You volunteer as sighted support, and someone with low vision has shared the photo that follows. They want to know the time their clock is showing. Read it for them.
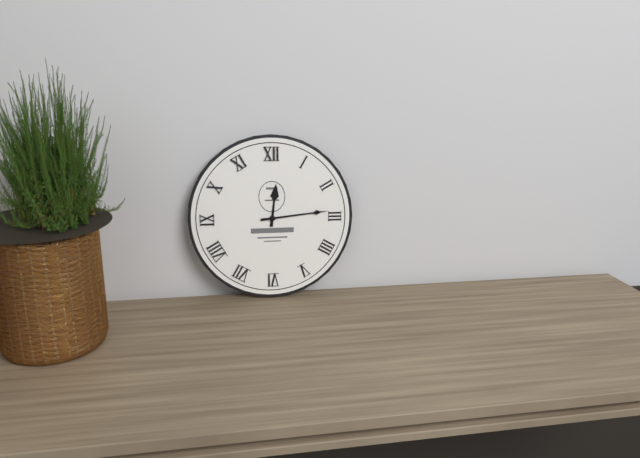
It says 12:14
